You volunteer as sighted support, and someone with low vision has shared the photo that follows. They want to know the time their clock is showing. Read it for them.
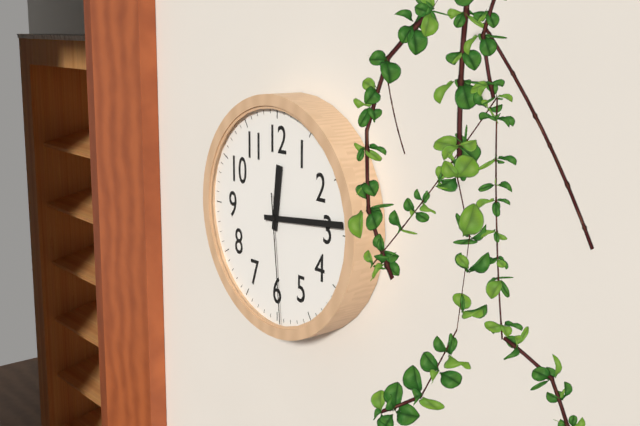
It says 12:14:29
